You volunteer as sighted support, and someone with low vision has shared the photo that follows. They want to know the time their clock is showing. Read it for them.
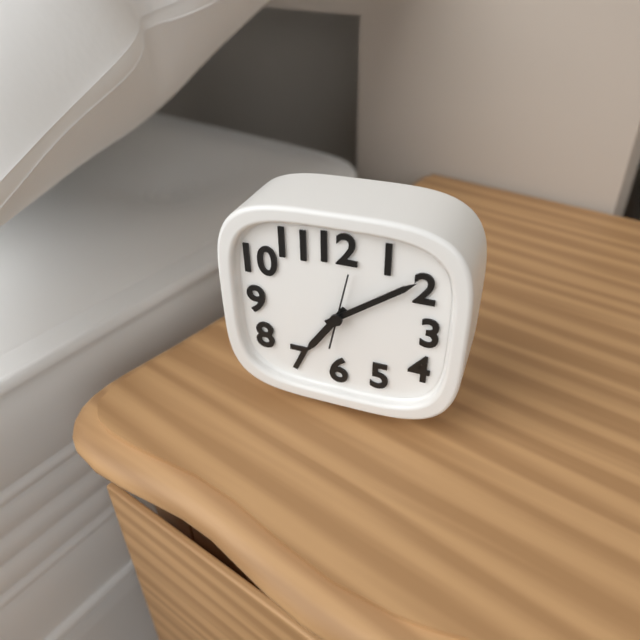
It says 7:09:02
